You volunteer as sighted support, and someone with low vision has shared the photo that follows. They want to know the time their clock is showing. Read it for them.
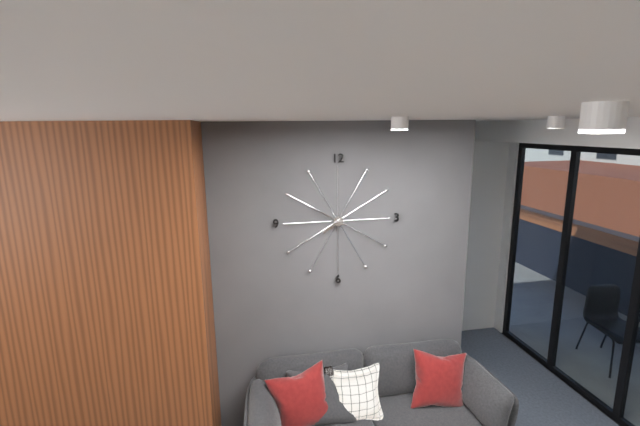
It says 7:50
